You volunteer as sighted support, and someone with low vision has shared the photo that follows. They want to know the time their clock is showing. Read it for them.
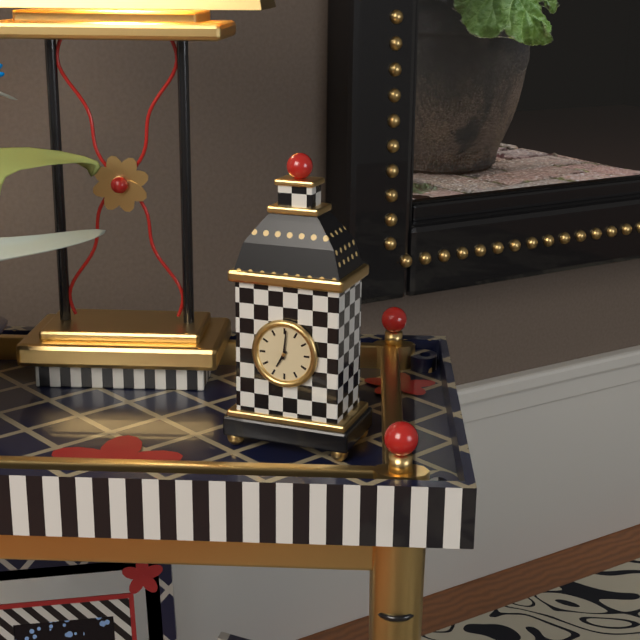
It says 7:01
